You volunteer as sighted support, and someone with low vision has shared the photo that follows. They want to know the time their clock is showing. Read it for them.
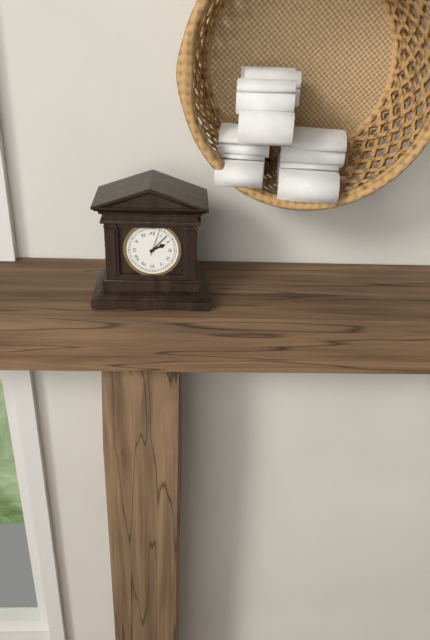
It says 2:07
